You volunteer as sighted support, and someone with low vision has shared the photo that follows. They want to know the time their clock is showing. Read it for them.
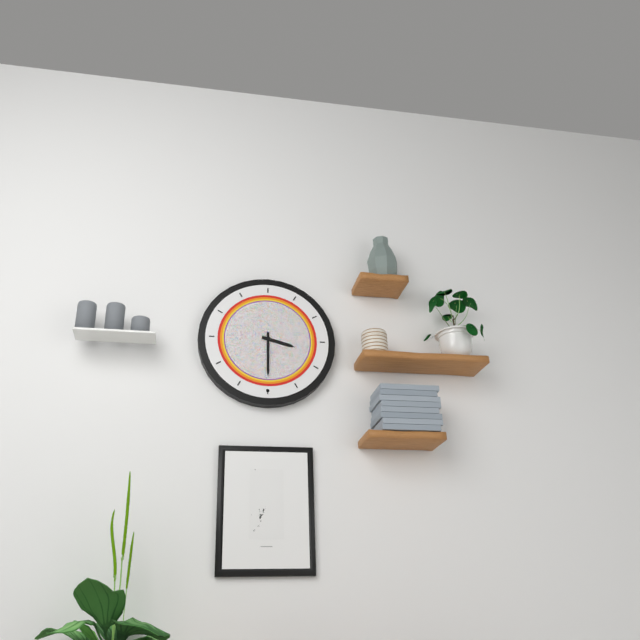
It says 3:30
